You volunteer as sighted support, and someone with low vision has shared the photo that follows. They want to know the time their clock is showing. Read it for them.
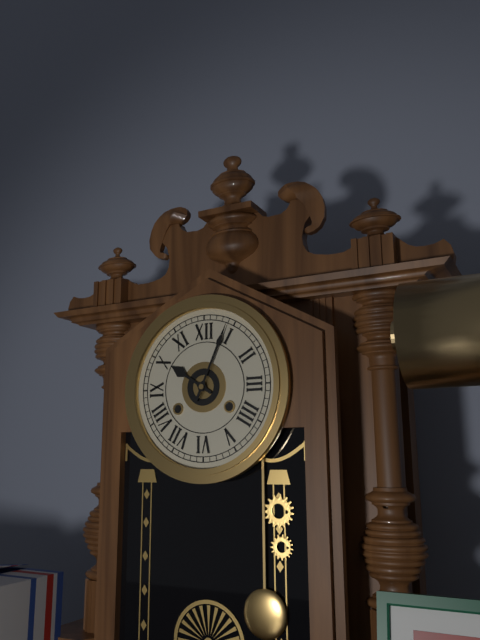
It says 10:04
